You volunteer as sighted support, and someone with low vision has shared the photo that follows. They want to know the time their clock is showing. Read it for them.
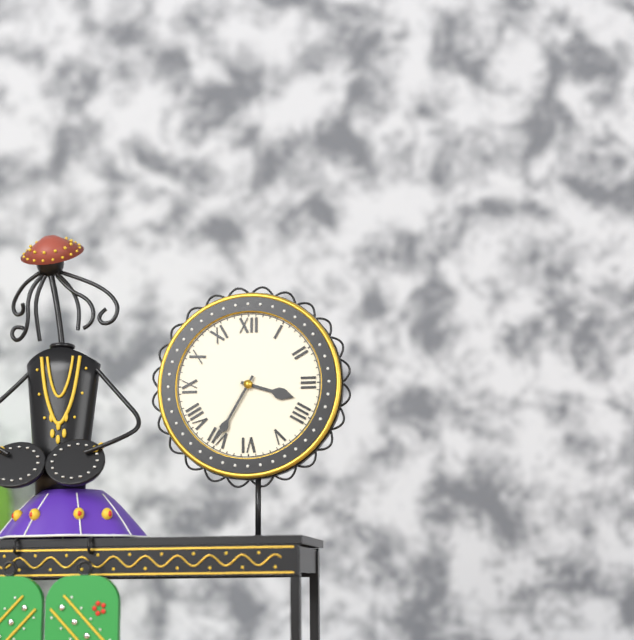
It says 3:35
